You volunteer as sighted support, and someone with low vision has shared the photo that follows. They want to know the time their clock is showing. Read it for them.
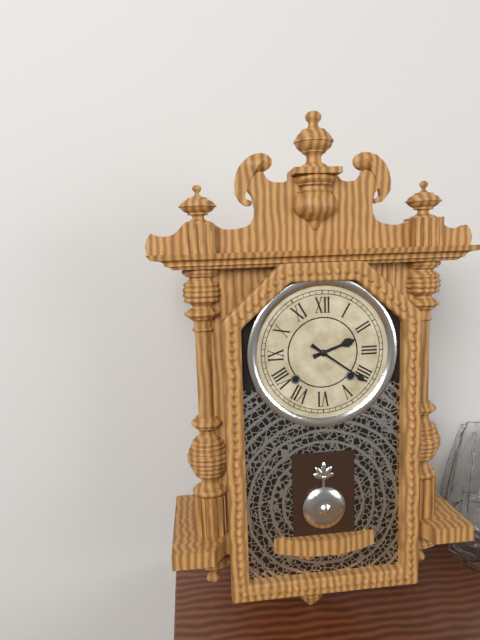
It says 2:21
